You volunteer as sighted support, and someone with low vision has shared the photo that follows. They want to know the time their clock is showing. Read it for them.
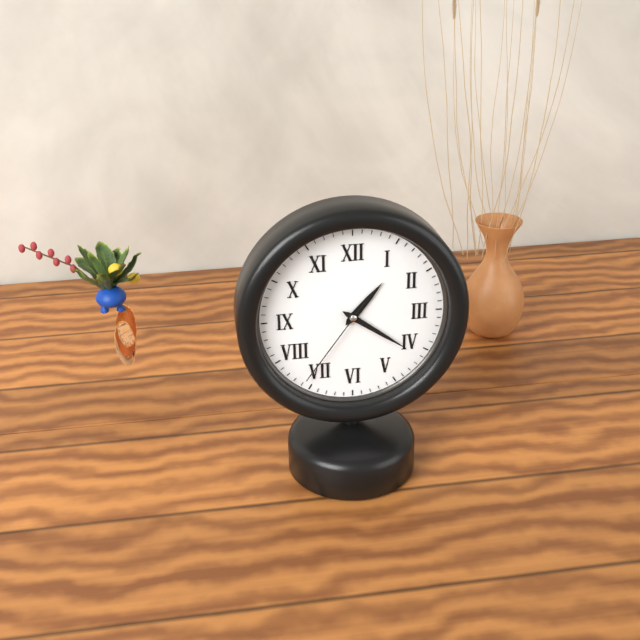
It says 1:21:36
